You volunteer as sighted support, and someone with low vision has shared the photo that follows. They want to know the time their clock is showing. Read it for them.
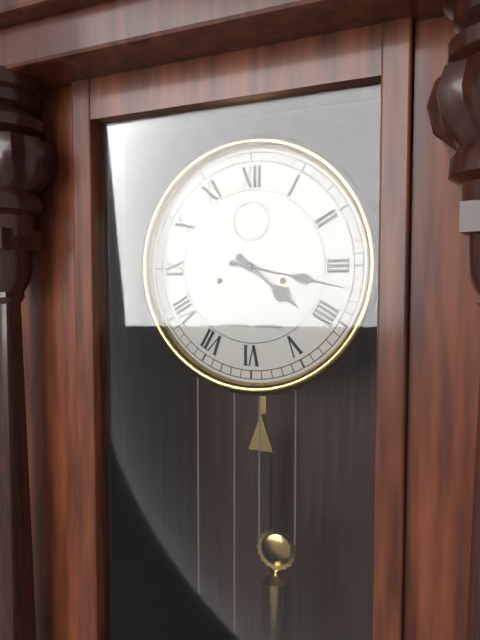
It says 4:17
